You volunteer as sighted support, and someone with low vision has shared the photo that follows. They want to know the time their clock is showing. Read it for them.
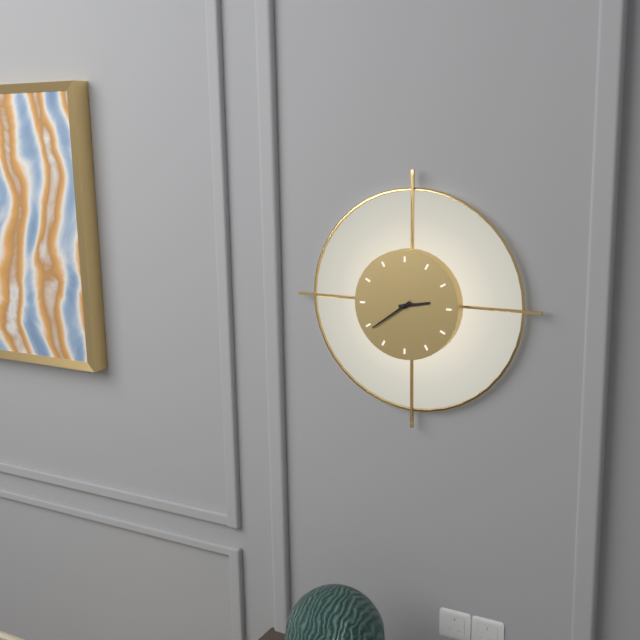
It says 2:39
